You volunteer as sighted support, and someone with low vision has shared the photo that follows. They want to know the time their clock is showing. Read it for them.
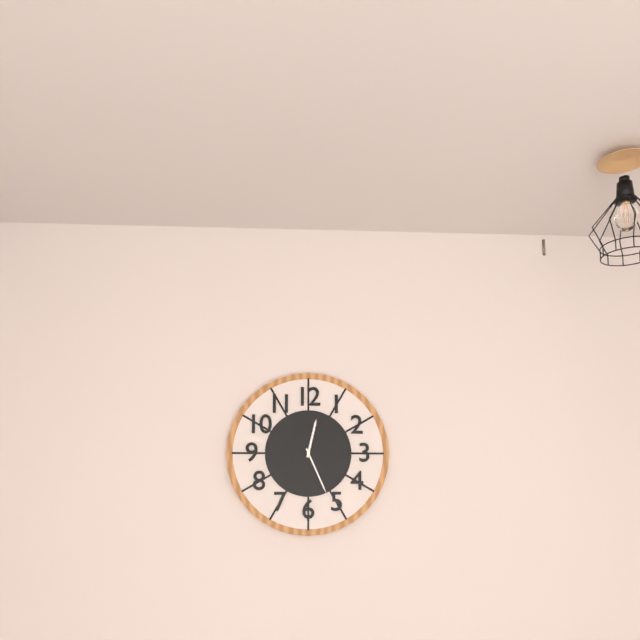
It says 12:26
